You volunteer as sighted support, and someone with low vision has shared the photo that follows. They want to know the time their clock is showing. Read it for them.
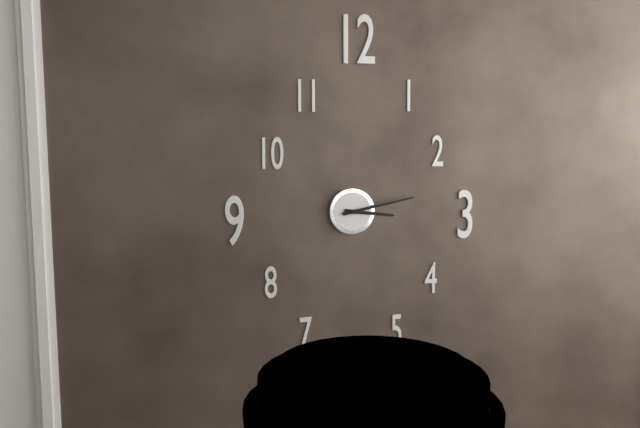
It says 3:13
